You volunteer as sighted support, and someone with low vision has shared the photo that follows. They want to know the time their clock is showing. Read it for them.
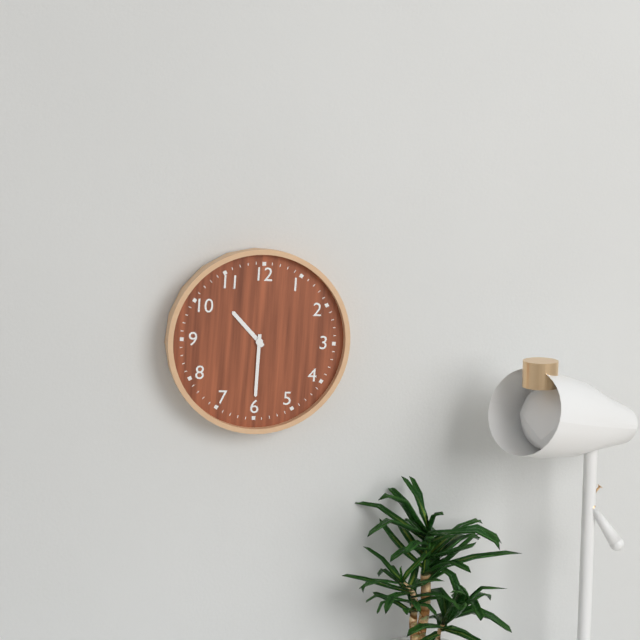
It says 10:30
